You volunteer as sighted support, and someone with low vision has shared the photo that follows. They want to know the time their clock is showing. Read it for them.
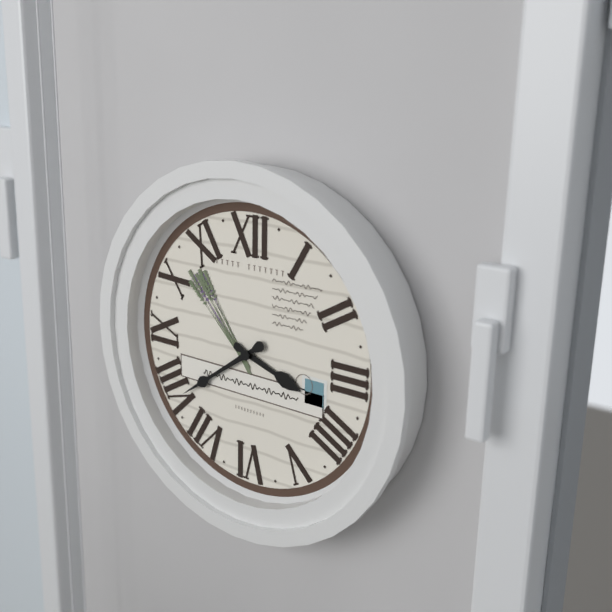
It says 3:39
